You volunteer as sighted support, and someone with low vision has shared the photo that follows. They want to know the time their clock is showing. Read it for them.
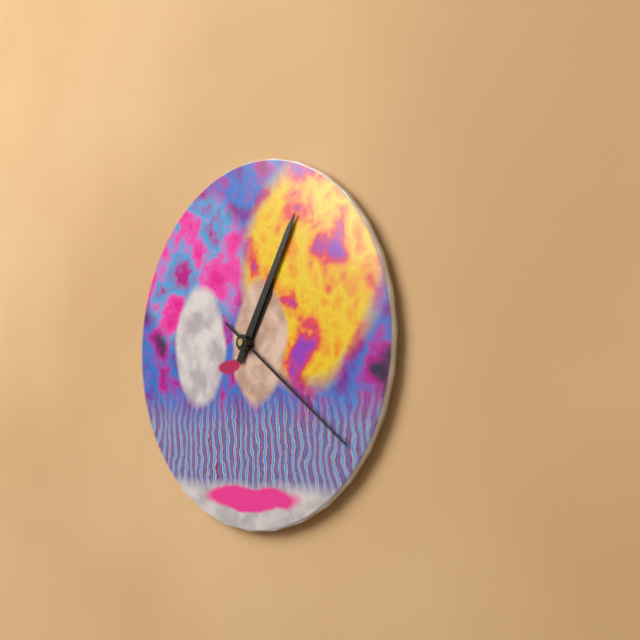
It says 1:05:21
